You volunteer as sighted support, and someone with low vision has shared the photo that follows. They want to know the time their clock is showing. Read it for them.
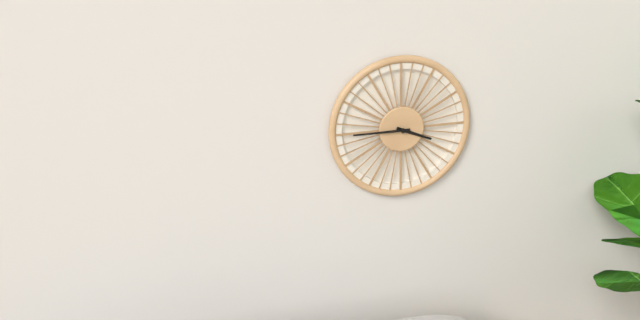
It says 3:45
